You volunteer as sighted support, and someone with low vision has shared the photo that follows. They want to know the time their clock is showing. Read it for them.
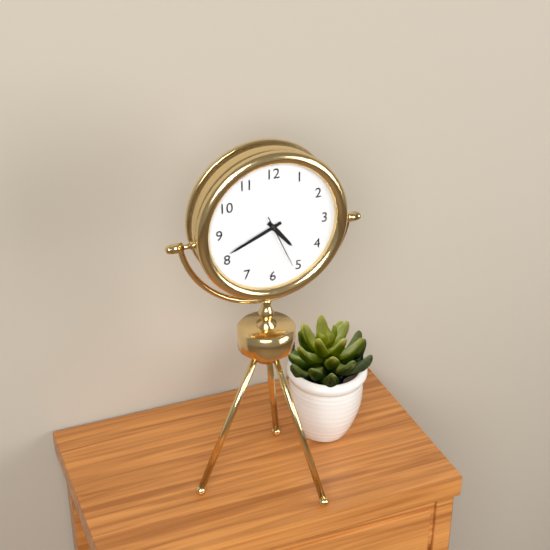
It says 4:41:26
